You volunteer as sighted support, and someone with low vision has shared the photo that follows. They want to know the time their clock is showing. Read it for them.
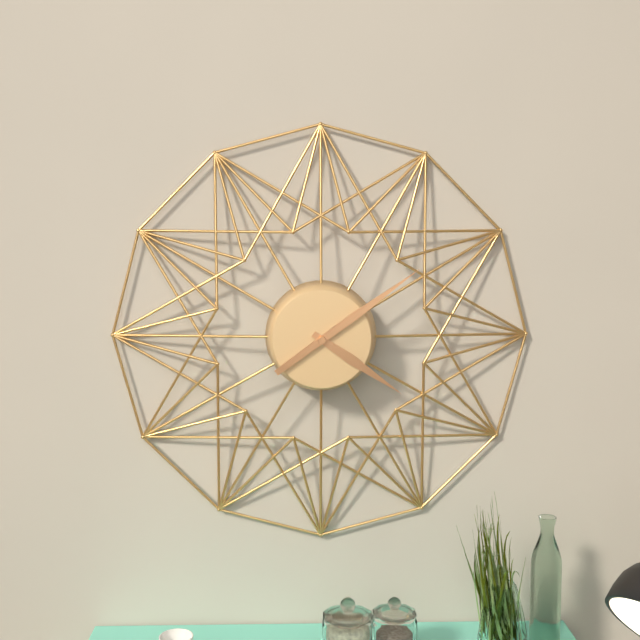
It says 4:09
